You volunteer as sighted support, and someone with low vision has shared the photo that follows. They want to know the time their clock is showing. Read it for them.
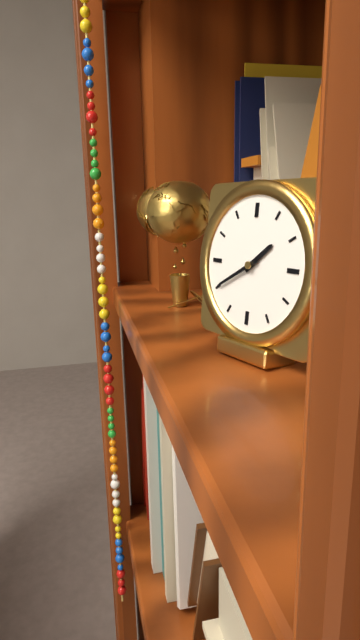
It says 1:40
